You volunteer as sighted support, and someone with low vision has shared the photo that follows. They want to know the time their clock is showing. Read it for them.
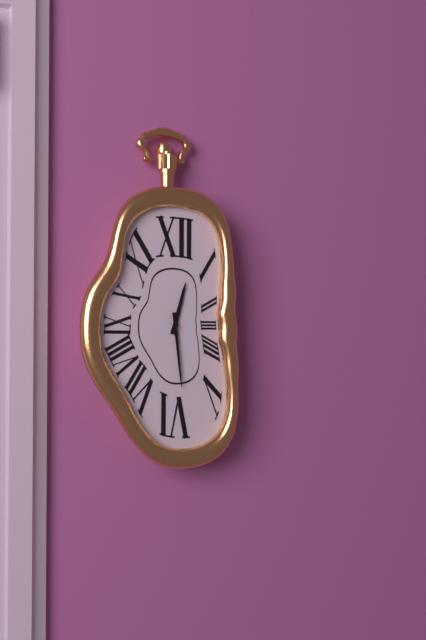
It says 12:29
